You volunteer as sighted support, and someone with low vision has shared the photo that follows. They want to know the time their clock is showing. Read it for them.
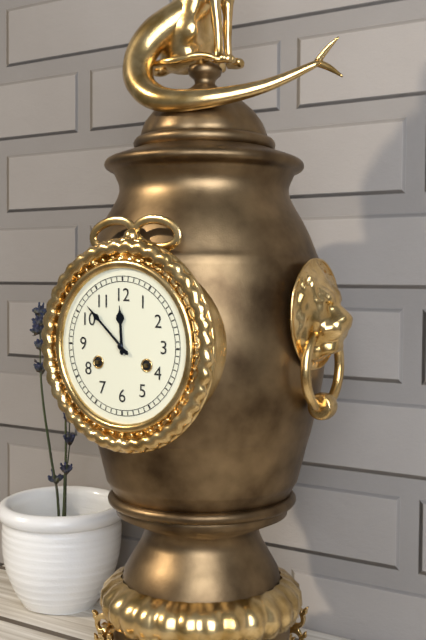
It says 11:52
